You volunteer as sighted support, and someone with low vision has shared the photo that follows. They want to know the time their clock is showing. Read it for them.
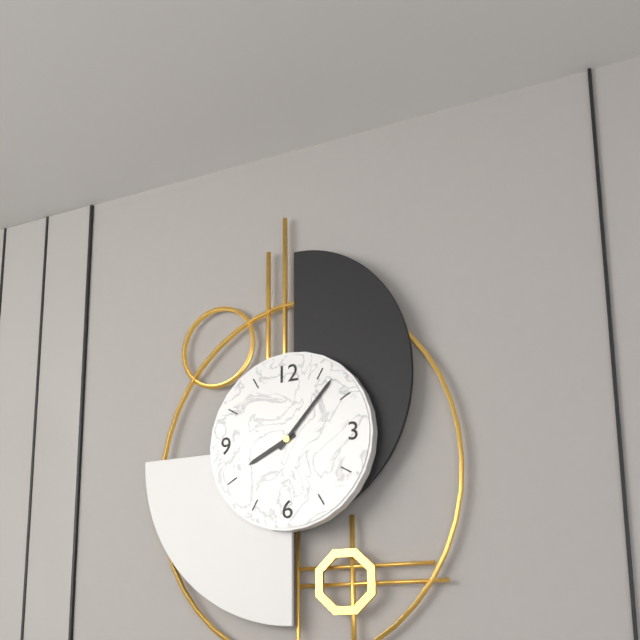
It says 8:07
